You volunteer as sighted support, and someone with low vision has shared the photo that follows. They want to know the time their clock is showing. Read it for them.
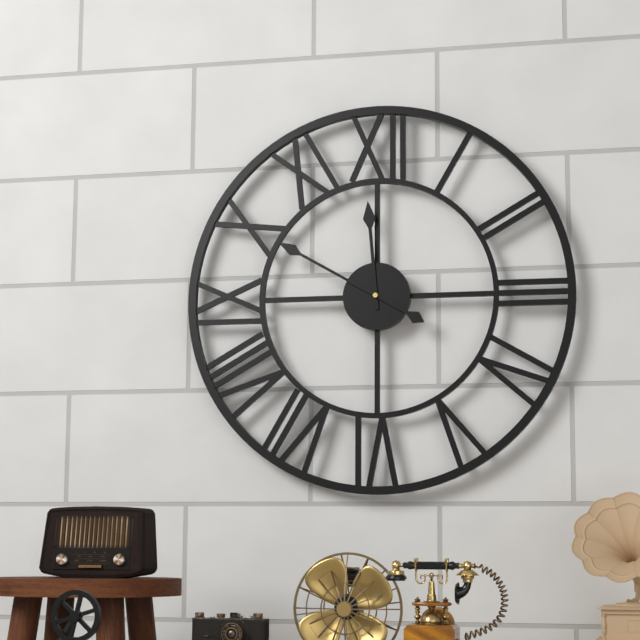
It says 11:50
